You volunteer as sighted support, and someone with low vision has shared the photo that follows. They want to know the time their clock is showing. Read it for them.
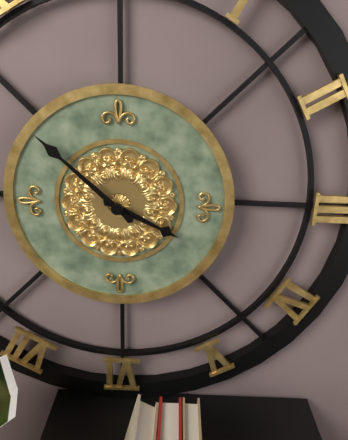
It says 3:52
